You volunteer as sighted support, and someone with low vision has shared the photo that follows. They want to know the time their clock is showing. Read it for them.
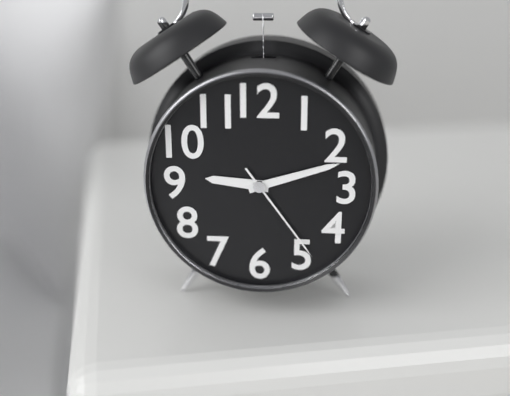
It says 9:12:24
